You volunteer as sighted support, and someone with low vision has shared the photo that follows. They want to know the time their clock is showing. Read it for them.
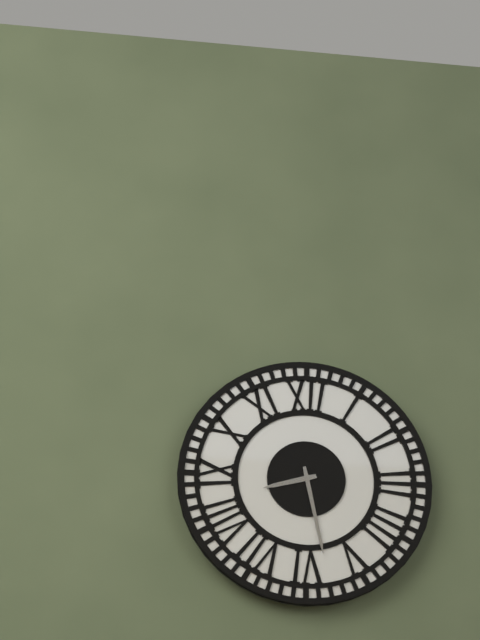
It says 8:28
